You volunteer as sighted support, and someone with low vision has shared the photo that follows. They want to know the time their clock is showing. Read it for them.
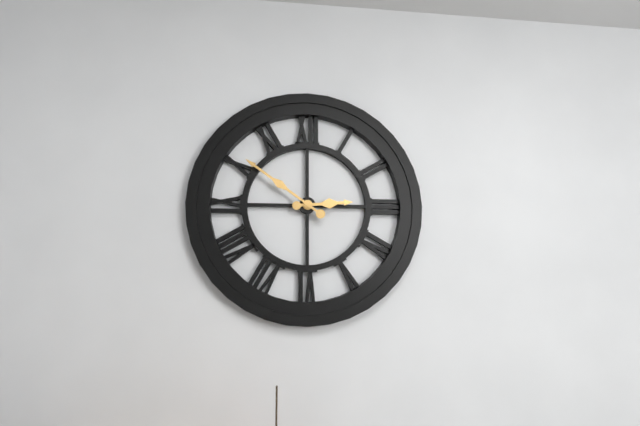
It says 2:51
